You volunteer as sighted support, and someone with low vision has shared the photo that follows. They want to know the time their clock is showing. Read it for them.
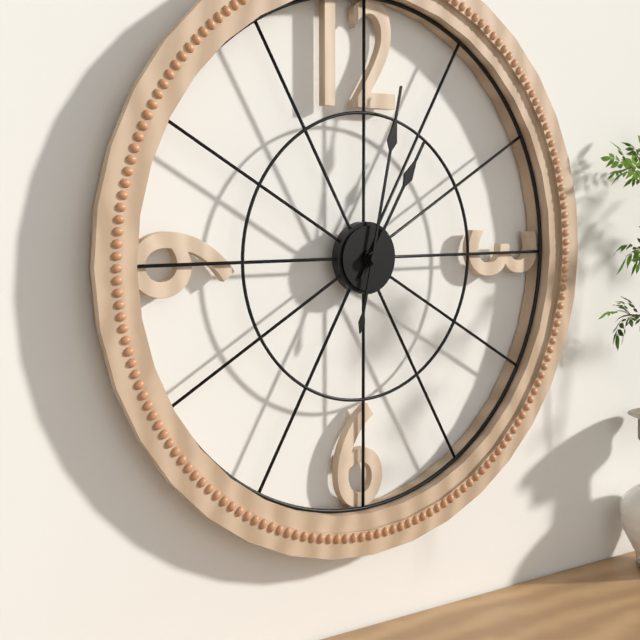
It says 1:02
